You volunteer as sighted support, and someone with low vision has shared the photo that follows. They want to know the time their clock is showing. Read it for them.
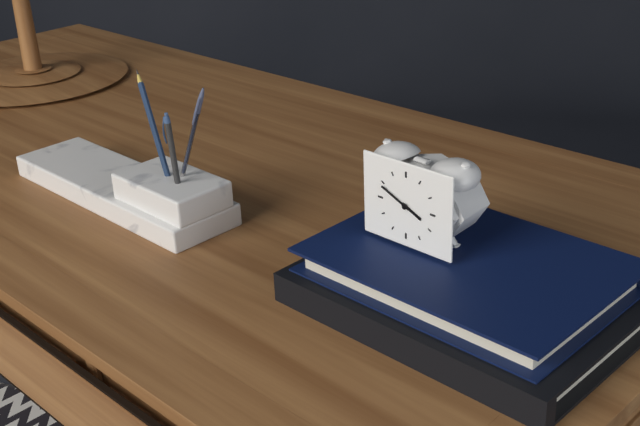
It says 3:49
